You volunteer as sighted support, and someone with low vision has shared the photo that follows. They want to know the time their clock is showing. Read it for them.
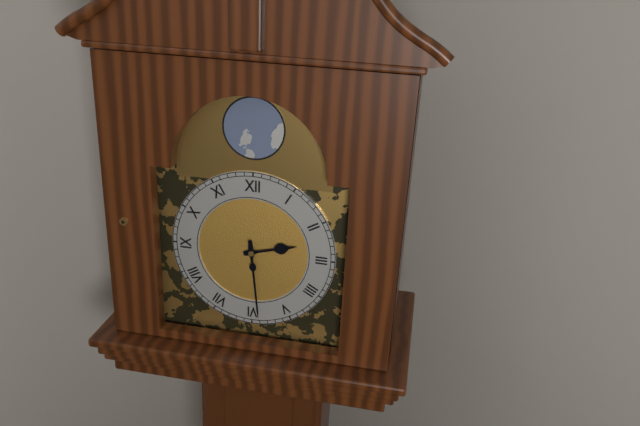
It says 2:29
